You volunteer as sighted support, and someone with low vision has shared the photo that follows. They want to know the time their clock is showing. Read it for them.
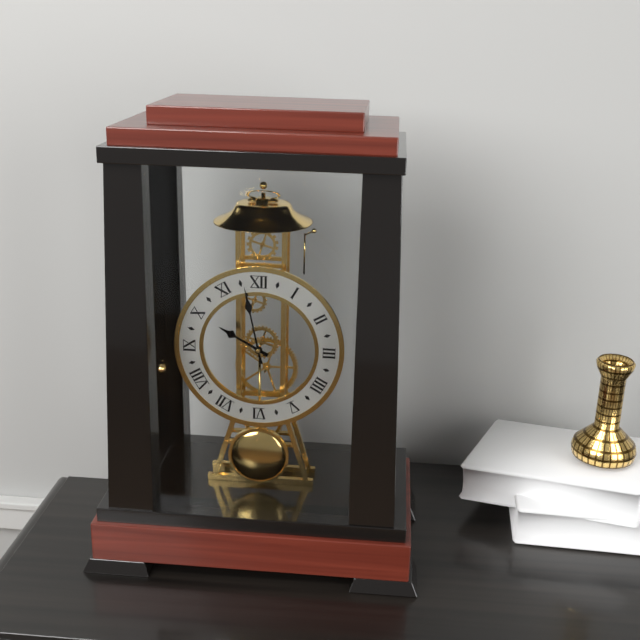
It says 9:58
